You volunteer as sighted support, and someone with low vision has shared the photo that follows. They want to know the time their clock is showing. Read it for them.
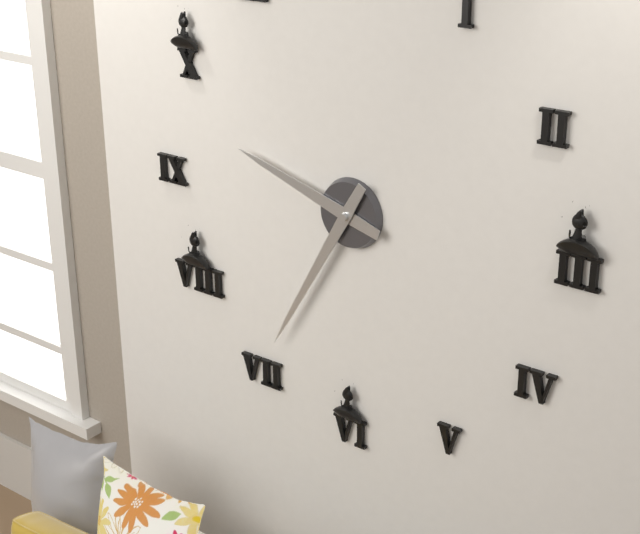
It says 9:35
